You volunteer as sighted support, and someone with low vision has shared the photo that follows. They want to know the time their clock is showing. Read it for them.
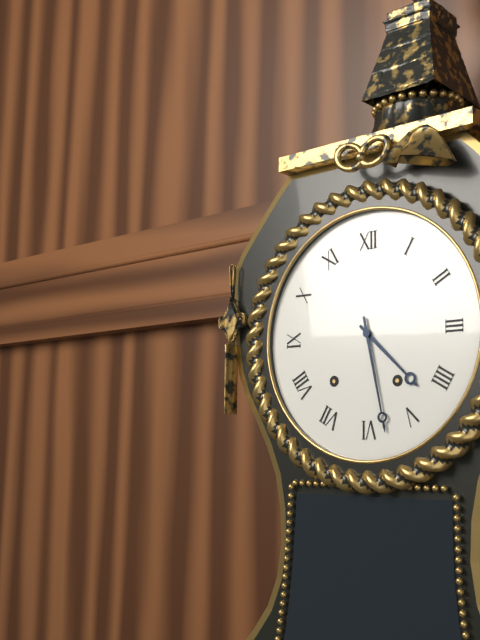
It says 4:28
